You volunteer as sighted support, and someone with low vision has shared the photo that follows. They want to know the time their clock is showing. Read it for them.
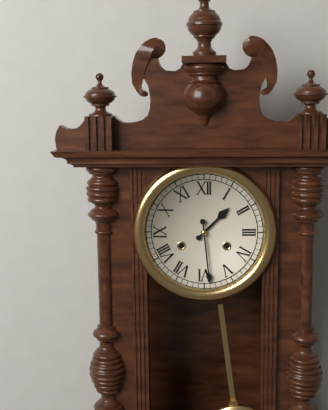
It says 1:29
